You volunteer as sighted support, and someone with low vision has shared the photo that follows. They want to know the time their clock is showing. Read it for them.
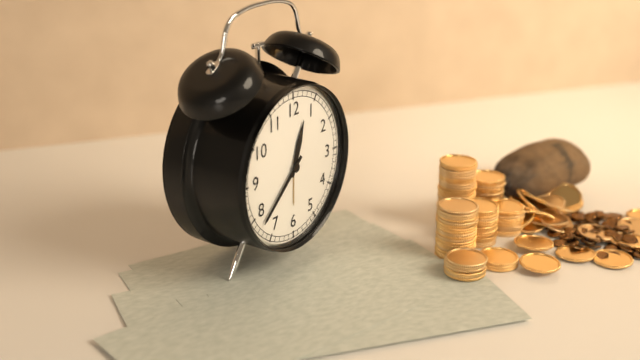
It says 12:38
